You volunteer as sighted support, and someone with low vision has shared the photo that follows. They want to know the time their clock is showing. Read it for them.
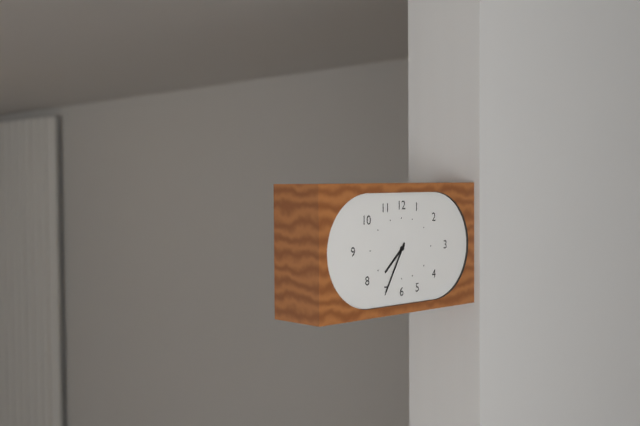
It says 7:35
